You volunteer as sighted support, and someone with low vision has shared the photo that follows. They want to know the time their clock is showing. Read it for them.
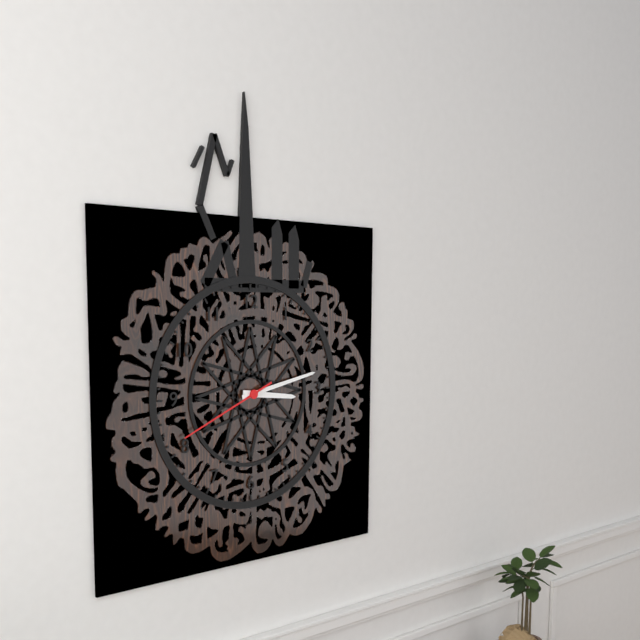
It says 3:13:41
